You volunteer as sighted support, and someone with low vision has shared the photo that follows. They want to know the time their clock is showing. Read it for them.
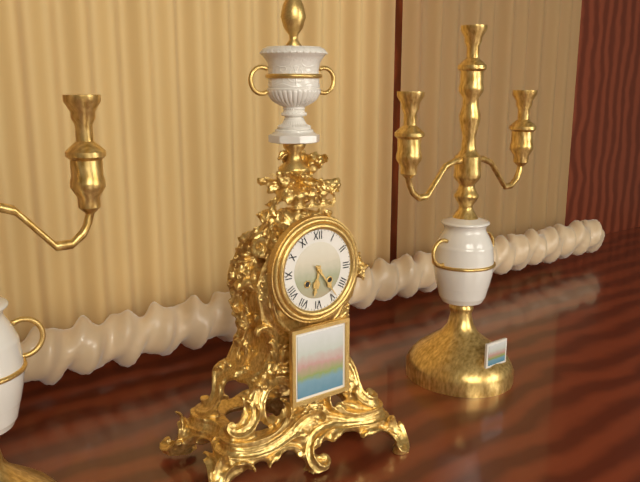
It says 6:24
